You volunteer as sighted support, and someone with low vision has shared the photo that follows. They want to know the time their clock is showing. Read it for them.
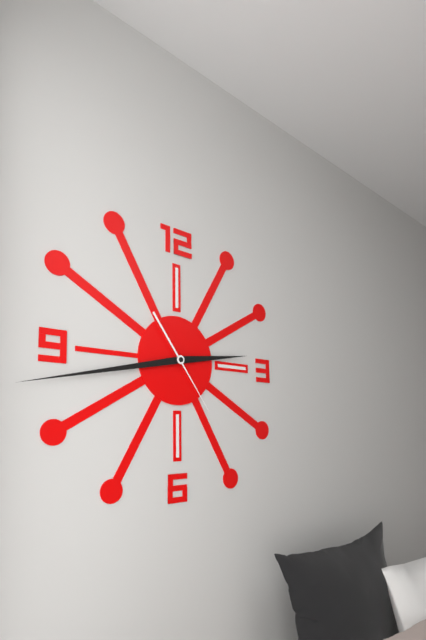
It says 2:43:24
